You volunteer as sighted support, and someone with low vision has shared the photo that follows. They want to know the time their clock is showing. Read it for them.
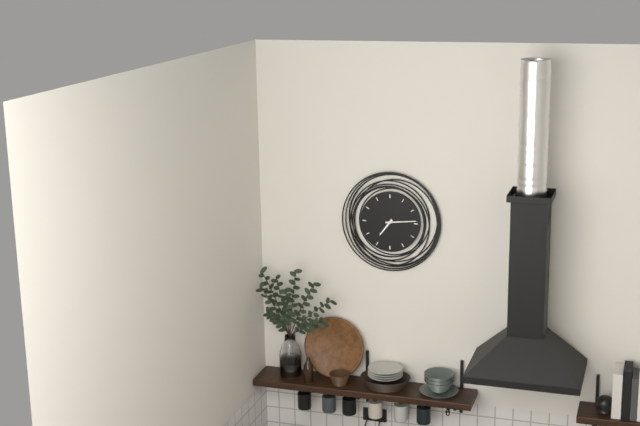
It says 7:14
